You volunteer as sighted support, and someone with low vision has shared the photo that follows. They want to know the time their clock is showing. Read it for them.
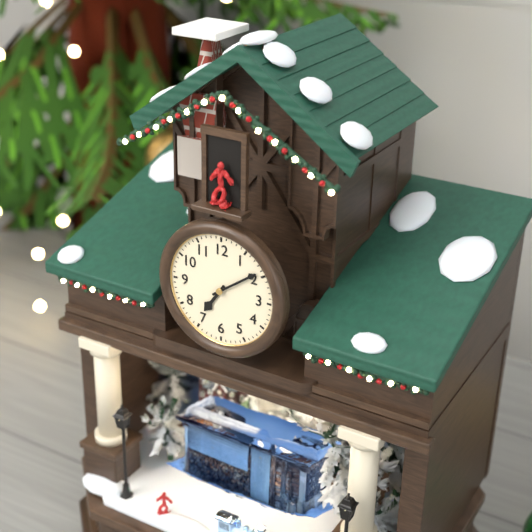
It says 7:09
